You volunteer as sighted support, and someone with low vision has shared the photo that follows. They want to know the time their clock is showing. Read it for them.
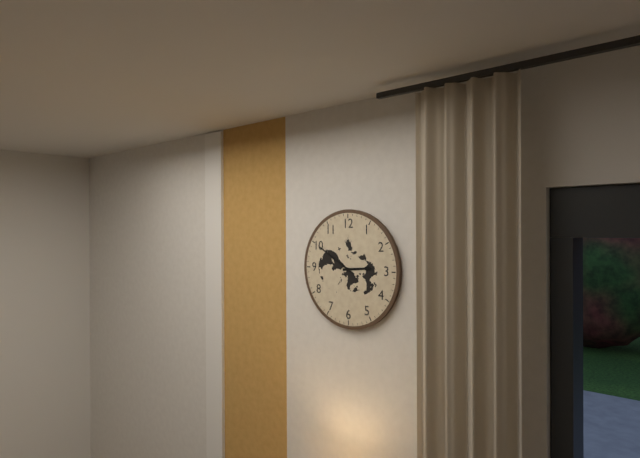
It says 2:50
